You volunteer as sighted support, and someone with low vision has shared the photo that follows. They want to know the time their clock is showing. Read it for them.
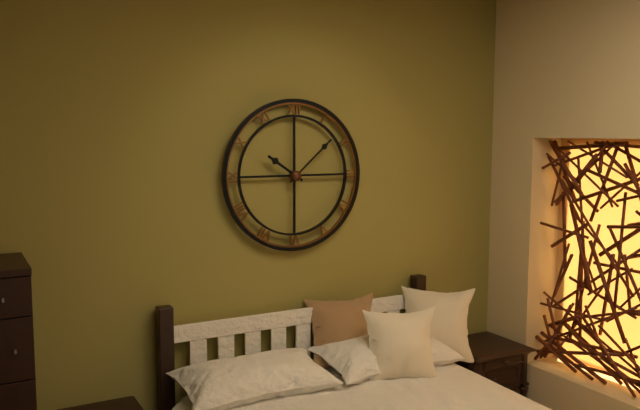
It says 10:08
